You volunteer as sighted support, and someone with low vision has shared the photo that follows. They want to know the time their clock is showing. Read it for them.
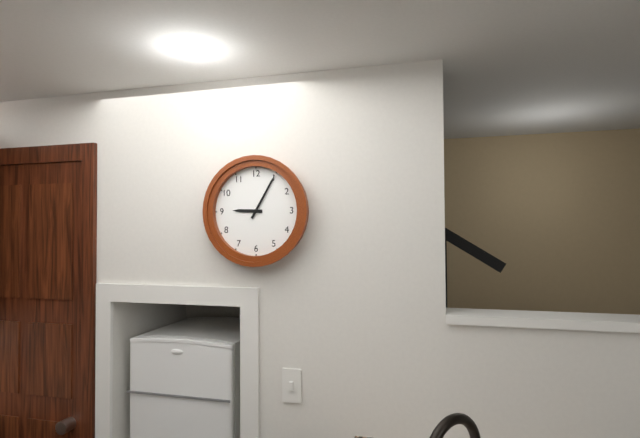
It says 9:05
